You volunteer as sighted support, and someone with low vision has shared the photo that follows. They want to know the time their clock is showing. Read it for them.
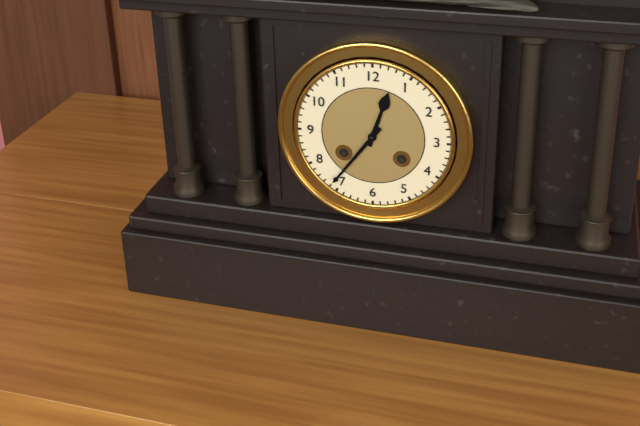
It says 12:36
